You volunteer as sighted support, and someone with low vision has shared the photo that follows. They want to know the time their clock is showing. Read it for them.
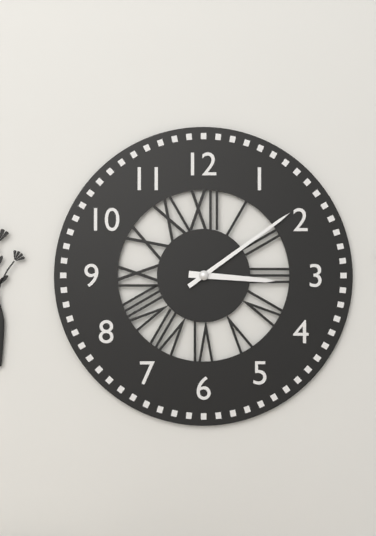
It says 3:09
